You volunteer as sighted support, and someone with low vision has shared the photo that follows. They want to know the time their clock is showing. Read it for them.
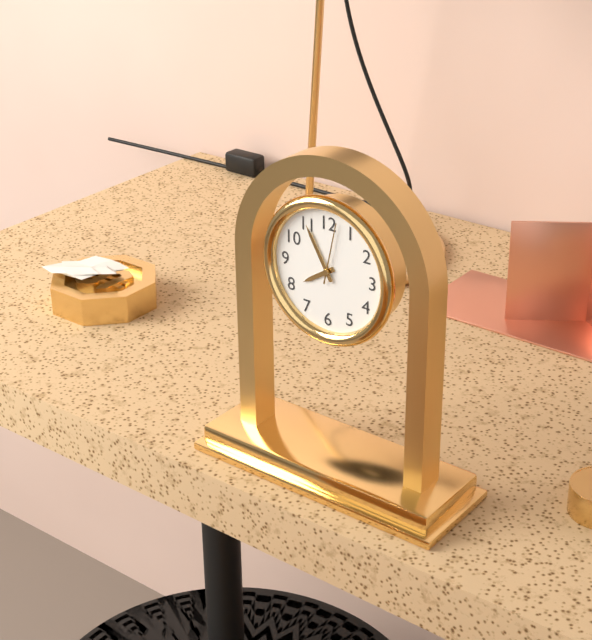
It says 7:55:02
